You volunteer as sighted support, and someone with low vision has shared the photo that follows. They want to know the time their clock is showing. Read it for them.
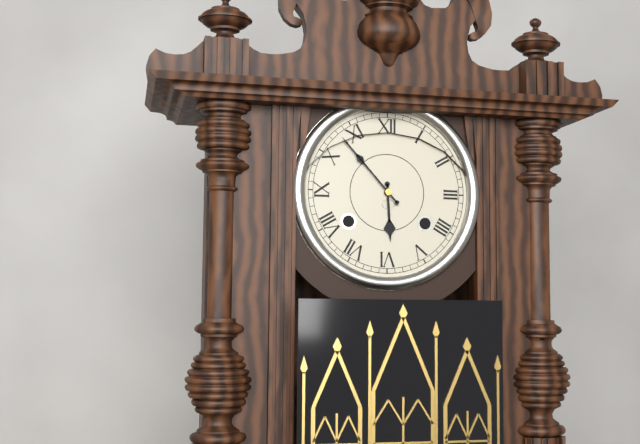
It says 5:53
